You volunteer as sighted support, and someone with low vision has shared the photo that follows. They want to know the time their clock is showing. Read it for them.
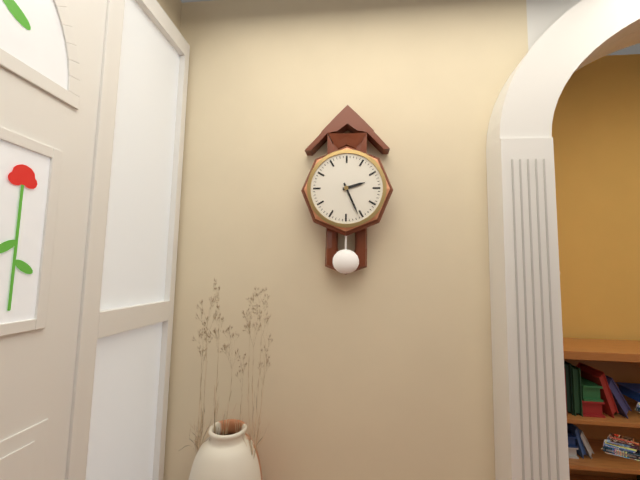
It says 2:26
